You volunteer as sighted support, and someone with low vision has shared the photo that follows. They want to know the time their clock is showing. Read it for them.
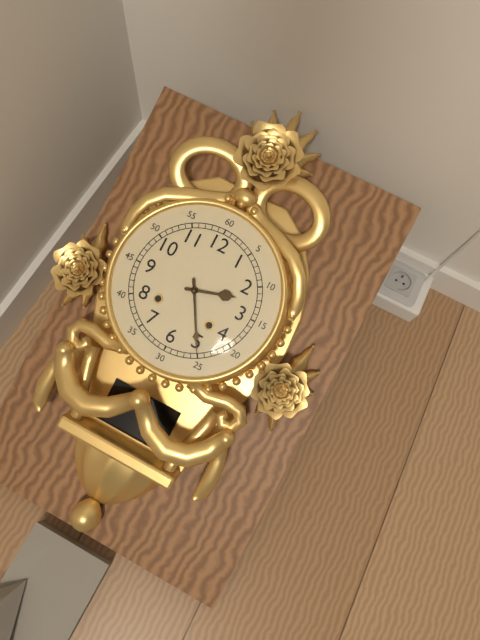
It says 2:25
